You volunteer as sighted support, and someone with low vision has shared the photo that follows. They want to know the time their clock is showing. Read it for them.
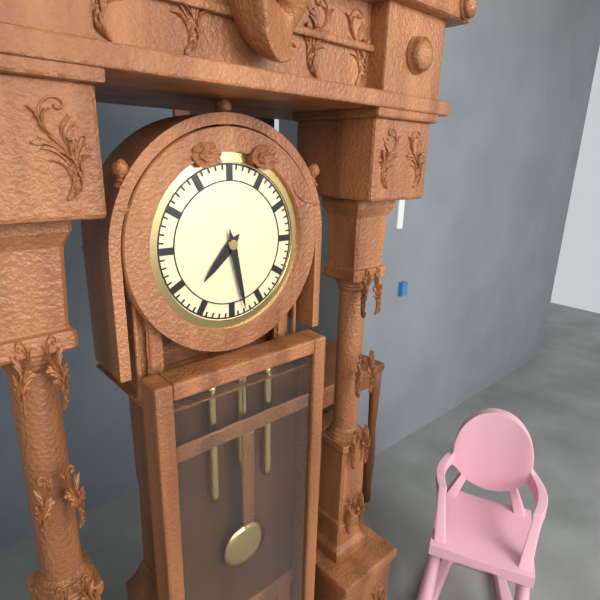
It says 7:28
